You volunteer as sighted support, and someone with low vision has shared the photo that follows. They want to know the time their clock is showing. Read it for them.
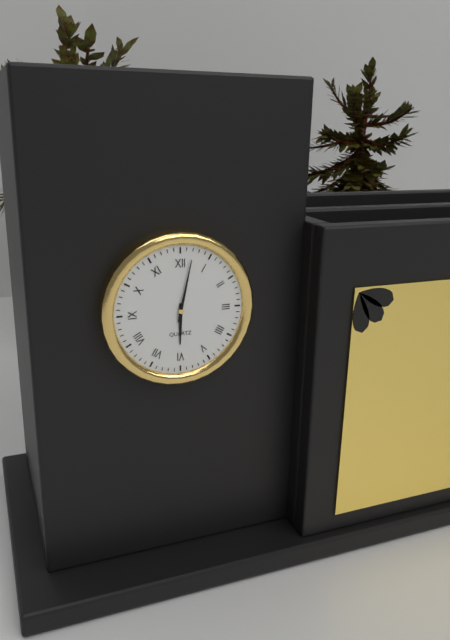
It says 6:02
